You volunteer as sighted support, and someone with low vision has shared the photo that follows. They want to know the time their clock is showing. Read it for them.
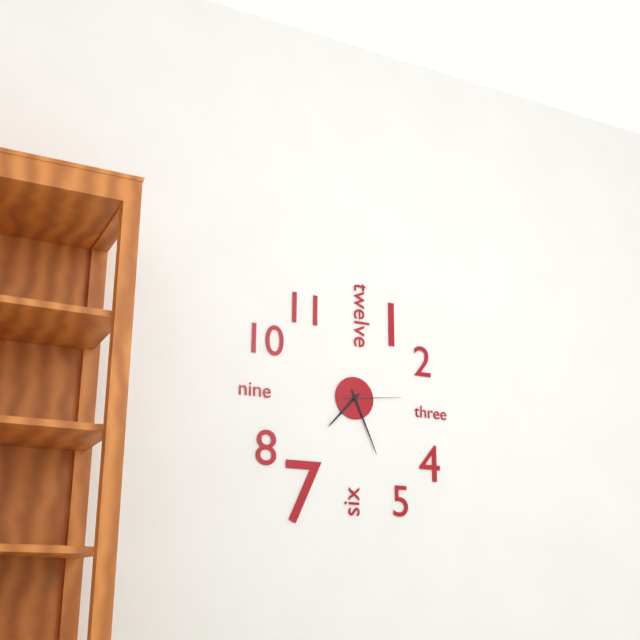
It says 7:26:14
